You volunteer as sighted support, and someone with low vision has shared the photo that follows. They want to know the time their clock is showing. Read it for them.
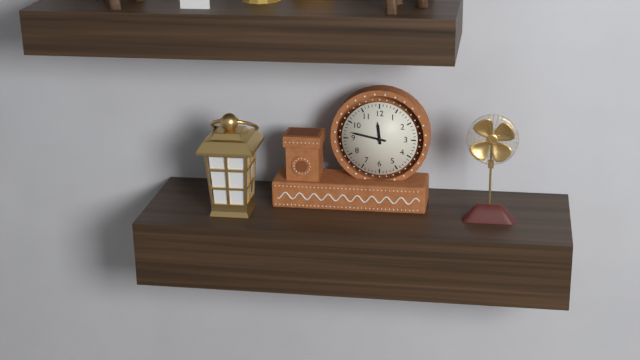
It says 11:47
